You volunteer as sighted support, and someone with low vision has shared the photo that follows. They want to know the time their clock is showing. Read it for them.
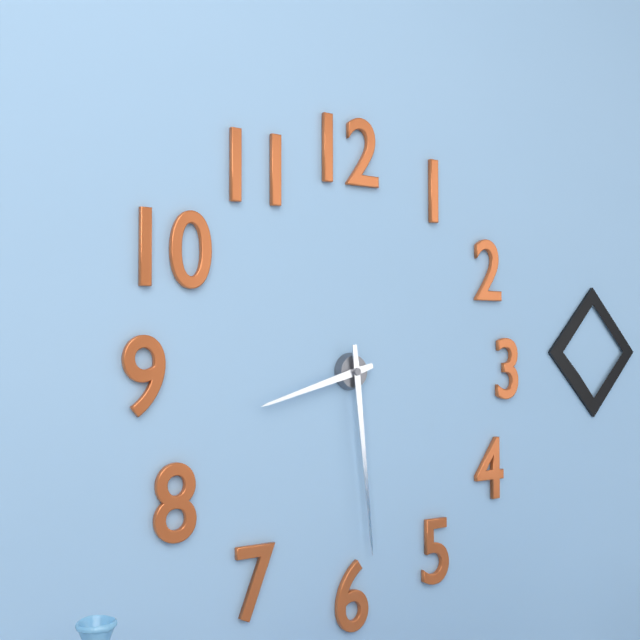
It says 8:29
